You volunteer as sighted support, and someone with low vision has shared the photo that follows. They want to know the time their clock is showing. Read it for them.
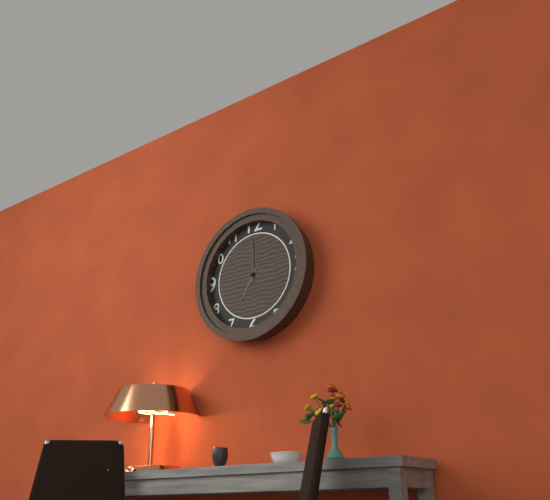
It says 7:00
